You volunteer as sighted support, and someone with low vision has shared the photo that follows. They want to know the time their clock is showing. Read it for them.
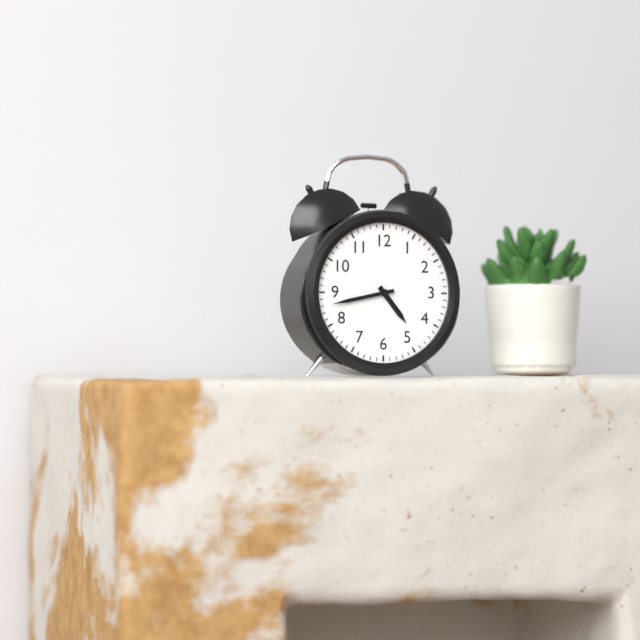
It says 4:43
